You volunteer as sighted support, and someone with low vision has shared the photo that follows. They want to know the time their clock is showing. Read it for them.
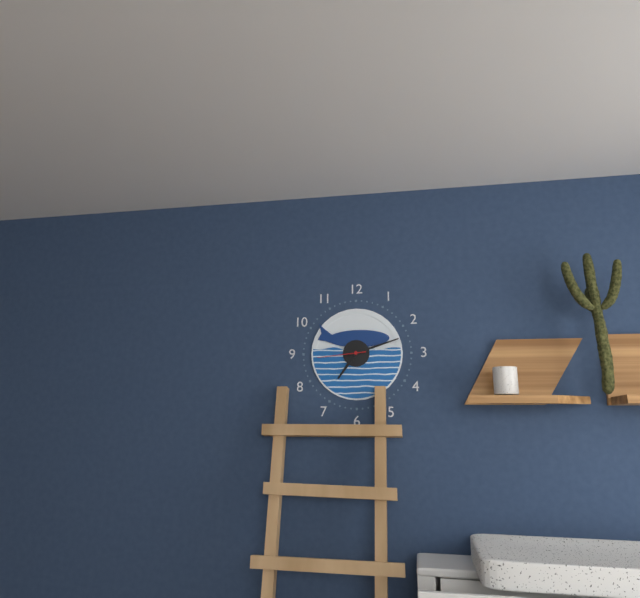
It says 7:12
